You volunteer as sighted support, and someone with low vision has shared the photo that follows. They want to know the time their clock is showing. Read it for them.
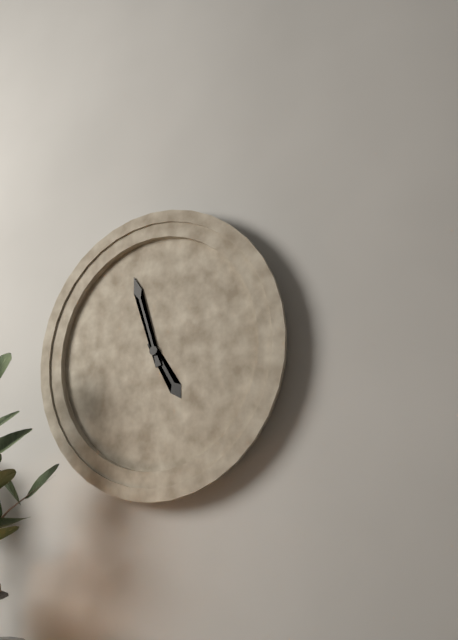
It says 4:57
